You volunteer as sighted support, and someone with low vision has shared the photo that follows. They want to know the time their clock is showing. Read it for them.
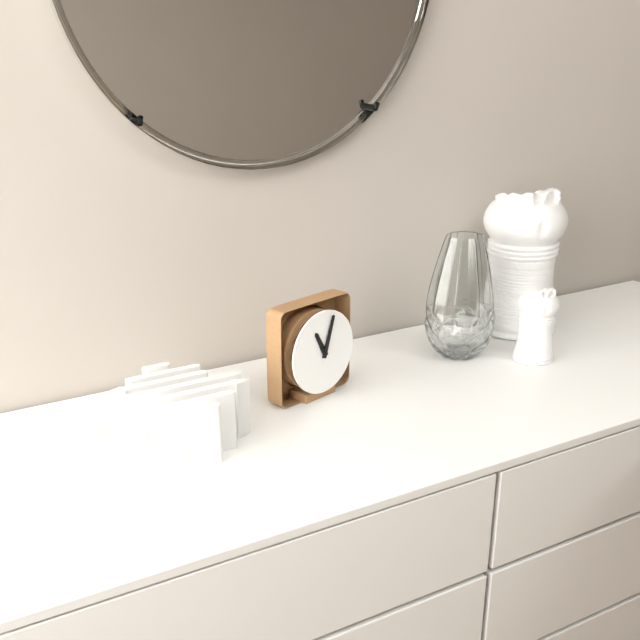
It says 11:03
